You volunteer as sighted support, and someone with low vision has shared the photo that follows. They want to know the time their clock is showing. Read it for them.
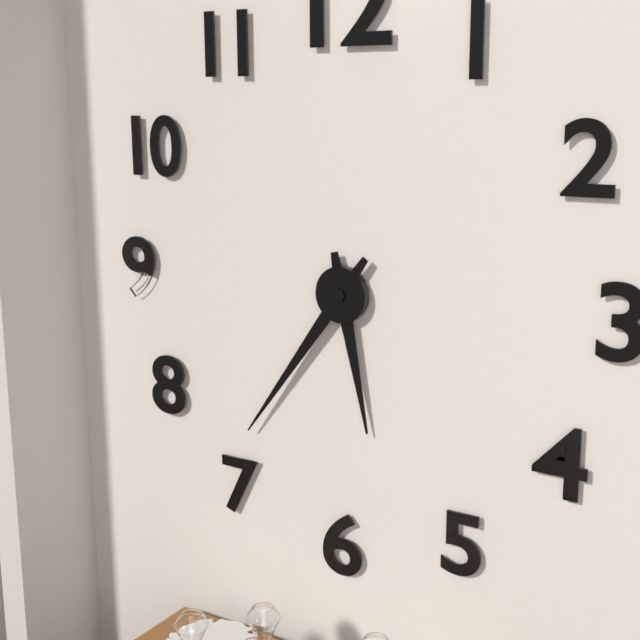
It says 5:36
